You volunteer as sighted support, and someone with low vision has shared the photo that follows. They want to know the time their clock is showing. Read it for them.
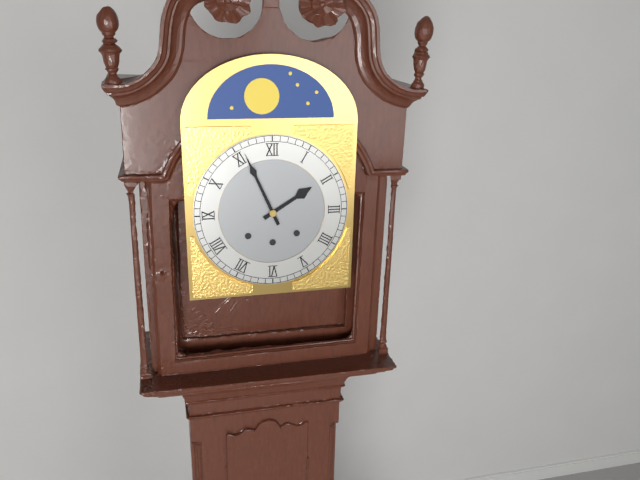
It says 1:56
